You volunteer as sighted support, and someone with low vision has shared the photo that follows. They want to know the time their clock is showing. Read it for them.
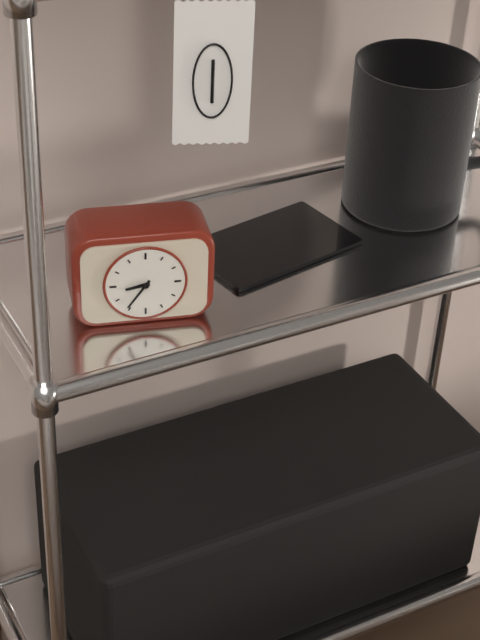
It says 8:36
